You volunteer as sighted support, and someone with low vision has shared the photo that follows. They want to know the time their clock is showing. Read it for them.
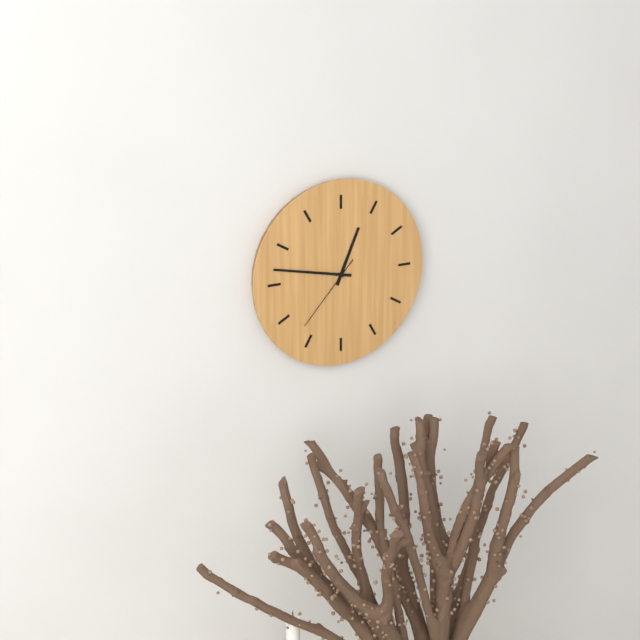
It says 12:47:37
